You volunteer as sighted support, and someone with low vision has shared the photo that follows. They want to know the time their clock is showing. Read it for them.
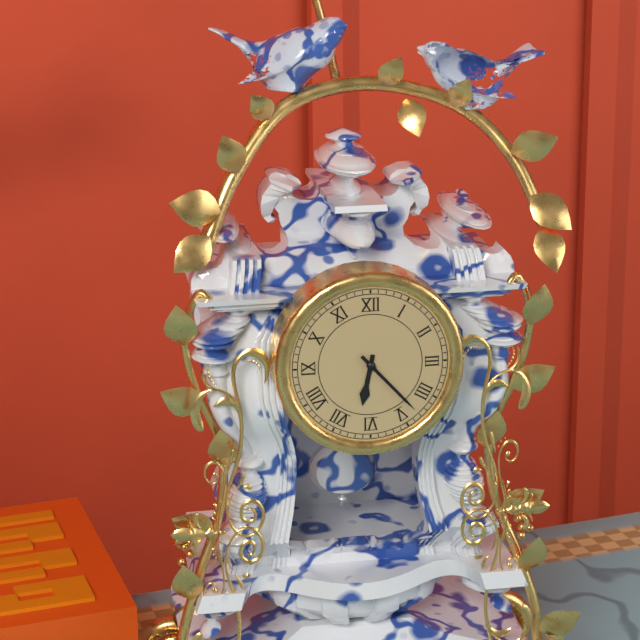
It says 6:23
